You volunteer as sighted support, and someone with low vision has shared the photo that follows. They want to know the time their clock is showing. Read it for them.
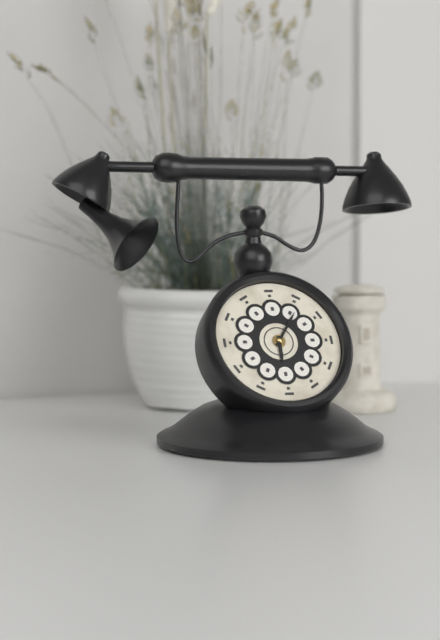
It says 6:06
